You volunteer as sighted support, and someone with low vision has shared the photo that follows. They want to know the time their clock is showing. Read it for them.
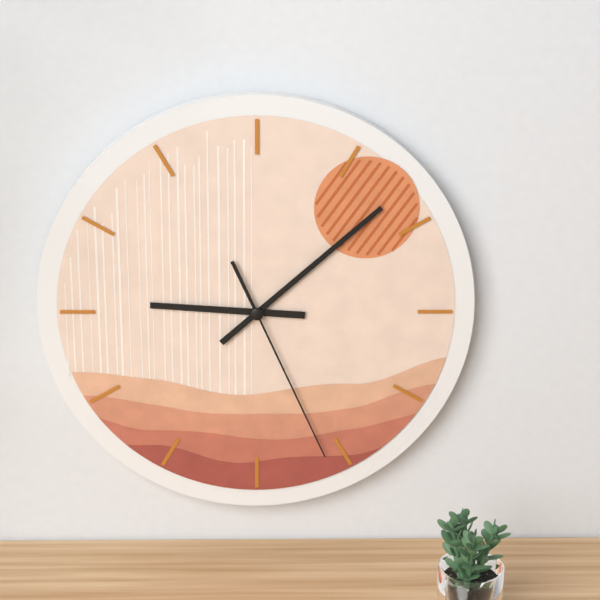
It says 9:08:26
